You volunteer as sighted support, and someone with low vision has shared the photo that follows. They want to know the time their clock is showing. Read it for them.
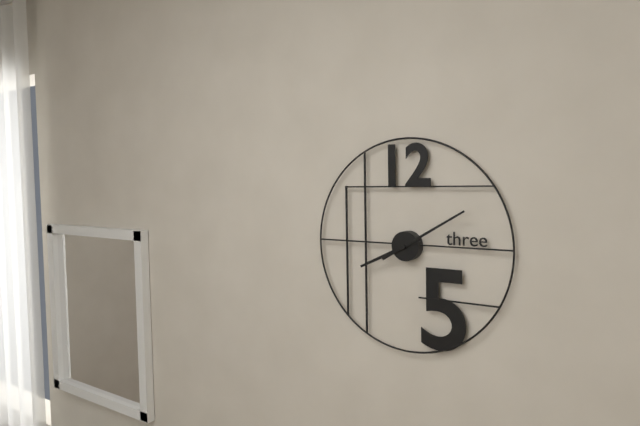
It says 8:10
